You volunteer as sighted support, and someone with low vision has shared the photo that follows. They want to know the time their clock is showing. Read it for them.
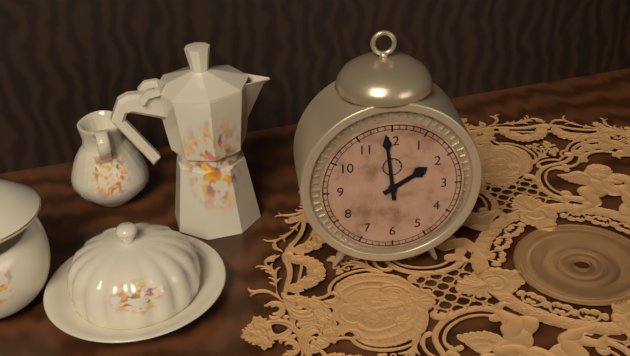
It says 1:59
